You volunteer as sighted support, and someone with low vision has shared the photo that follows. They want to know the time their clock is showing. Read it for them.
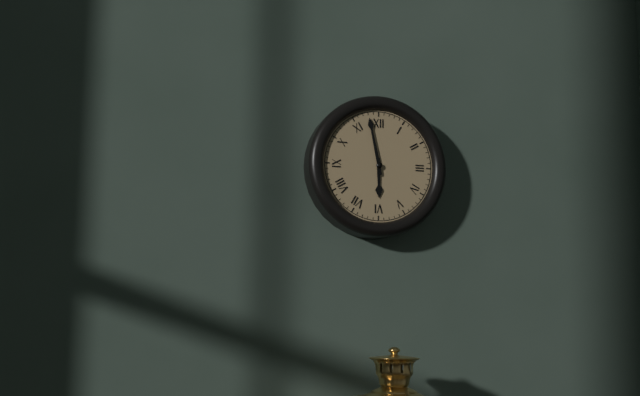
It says 5:58
